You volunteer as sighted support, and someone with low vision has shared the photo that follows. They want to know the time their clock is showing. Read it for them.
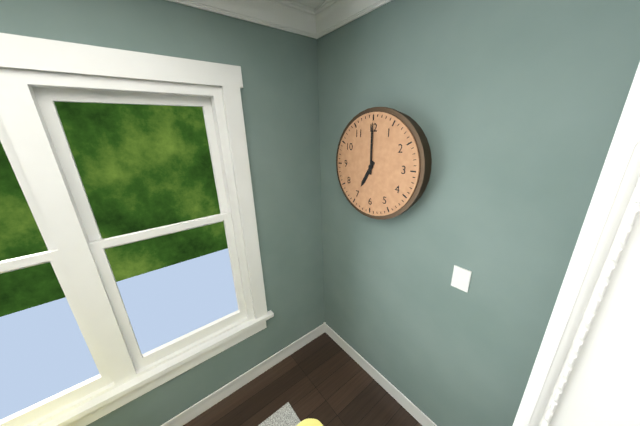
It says 7:00
